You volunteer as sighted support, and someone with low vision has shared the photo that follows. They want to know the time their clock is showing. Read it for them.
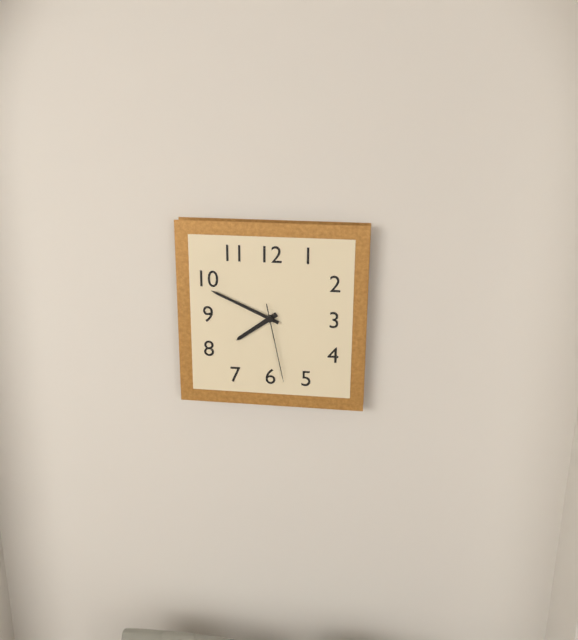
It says 7:49:28
